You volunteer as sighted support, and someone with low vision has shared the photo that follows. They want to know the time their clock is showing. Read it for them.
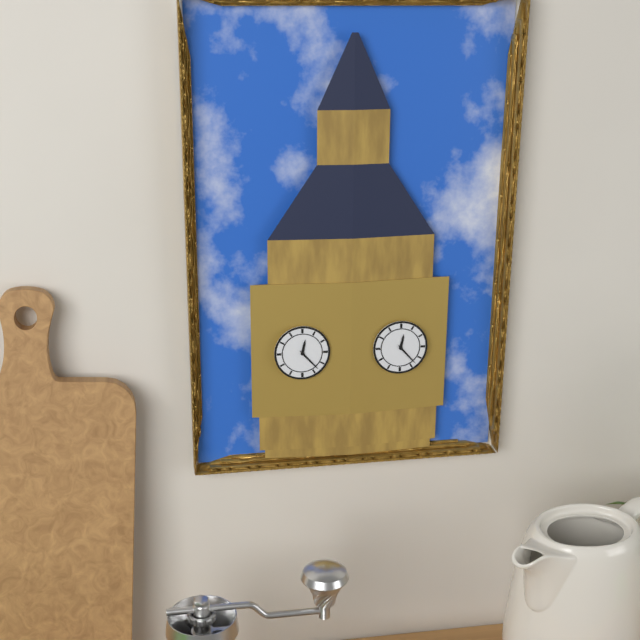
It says 12:23
